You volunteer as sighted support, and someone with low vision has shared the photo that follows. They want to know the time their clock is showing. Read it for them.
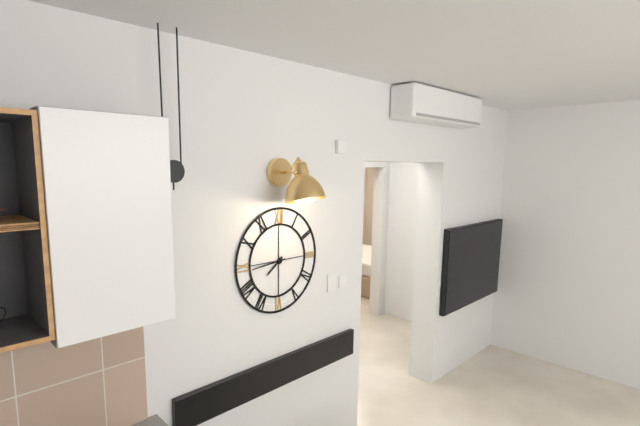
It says 7:44
